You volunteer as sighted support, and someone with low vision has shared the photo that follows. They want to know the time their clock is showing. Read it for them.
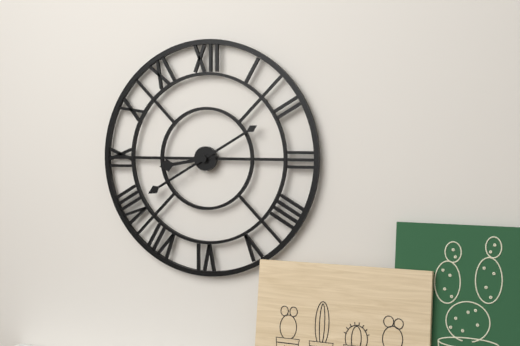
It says 8:40
